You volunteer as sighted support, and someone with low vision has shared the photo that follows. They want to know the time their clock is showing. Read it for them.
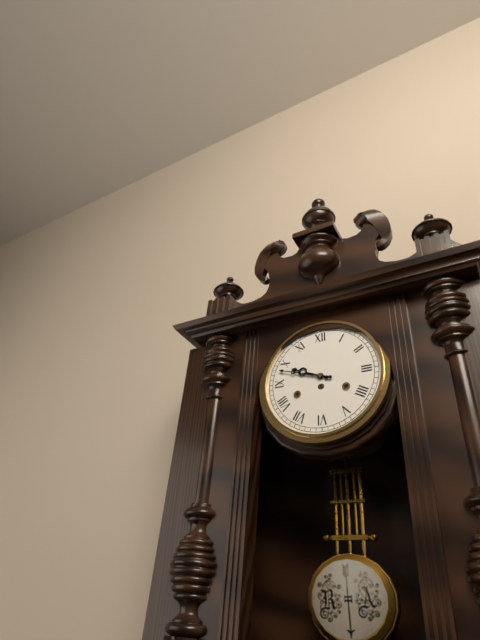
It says 9:48
